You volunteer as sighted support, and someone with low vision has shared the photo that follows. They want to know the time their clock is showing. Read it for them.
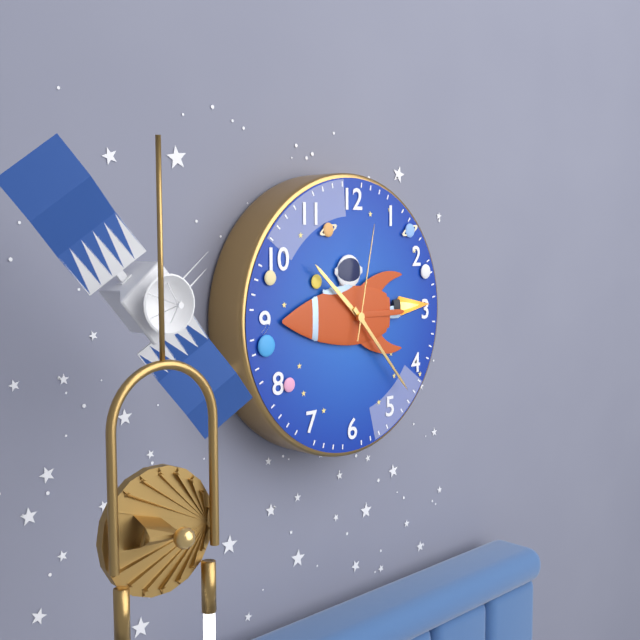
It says 10:23:02
